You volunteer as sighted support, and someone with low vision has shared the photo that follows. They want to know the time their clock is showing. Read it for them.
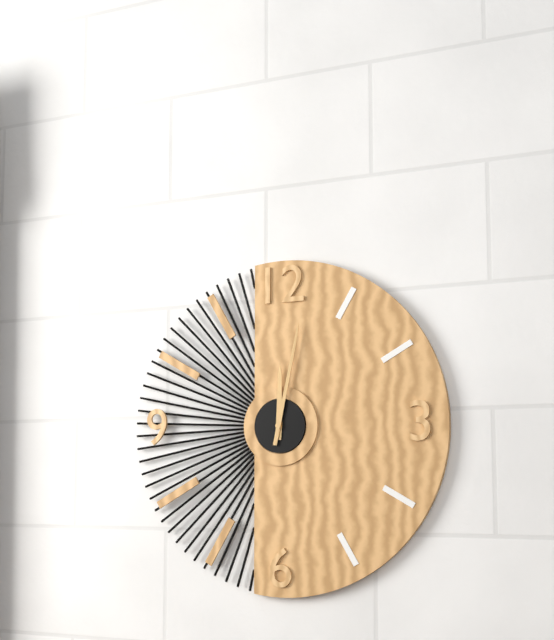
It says 12:02
